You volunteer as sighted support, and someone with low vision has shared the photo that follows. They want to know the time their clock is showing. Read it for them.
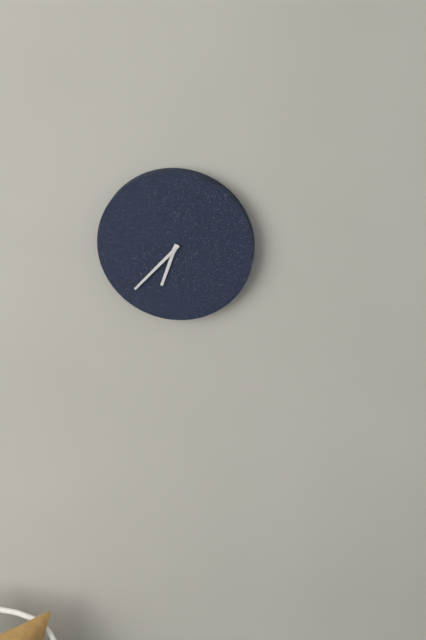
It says 6:37
